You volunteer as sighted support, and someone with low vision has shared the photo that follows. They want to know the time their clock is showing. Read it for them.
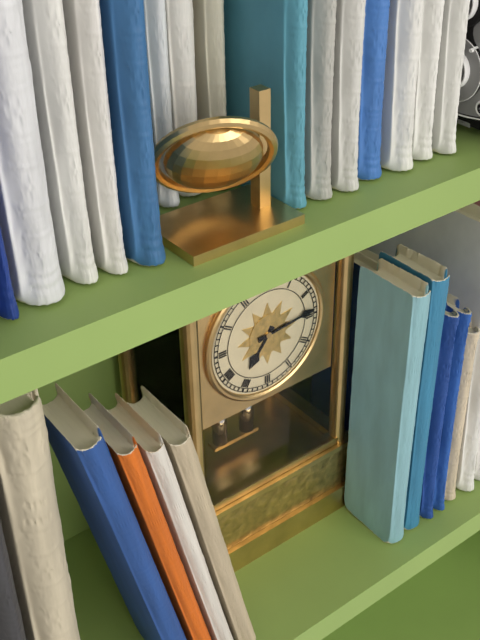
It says 7:14
